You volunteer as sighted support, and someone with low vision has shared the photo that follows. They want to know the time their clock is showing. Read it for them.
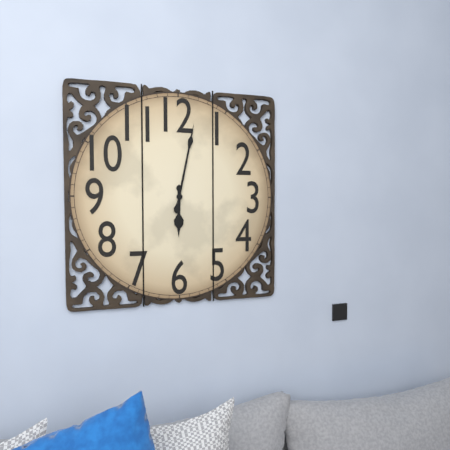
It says 6:02
